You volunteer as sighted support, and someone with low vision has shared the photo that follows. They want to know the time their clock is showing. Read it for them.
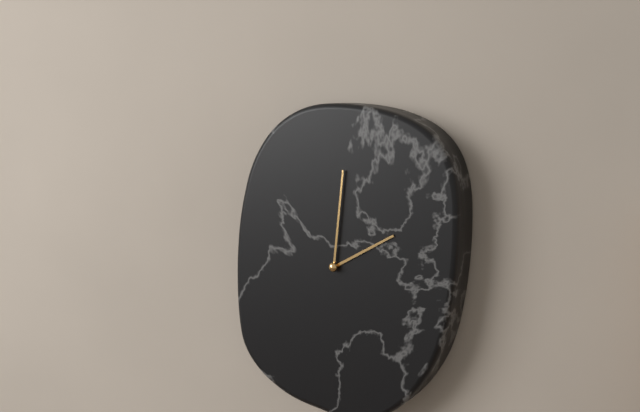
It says 2:01
